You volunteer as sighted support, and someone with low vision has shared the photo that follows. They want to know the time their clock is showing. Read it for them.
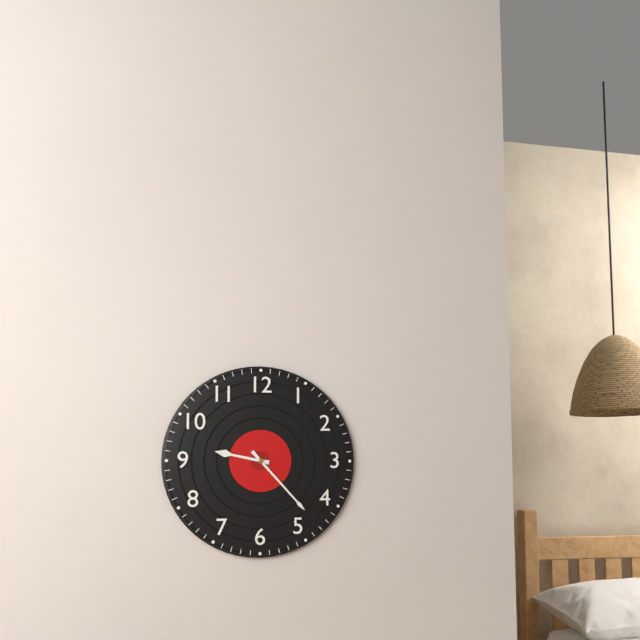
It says 9:23
